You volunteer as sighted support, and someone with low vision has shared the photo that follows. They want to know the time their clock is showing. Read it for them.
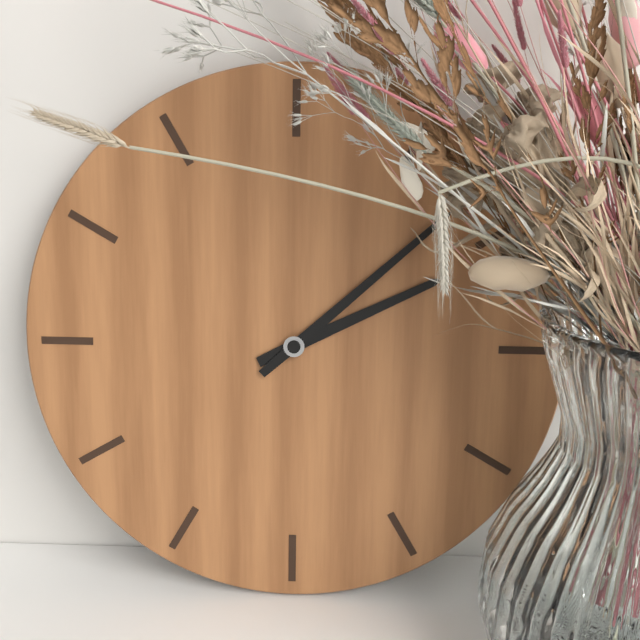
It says 2:08
